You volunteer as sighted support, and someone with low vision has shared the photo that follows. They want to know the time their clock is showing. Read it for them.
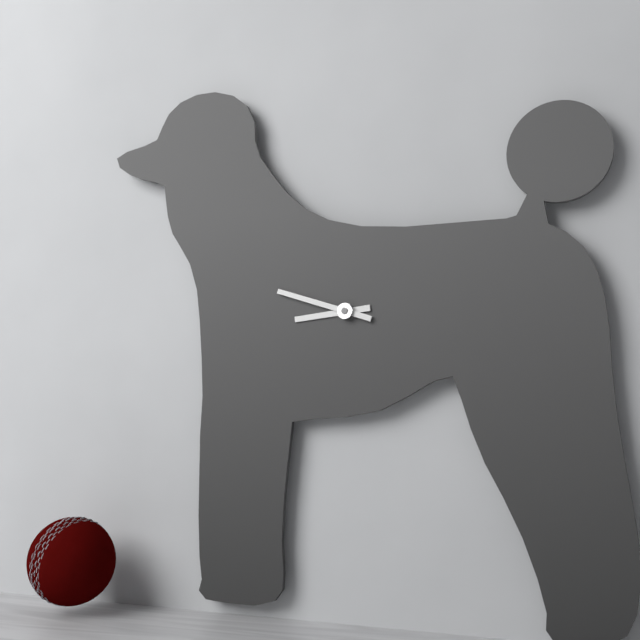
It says 8:48
